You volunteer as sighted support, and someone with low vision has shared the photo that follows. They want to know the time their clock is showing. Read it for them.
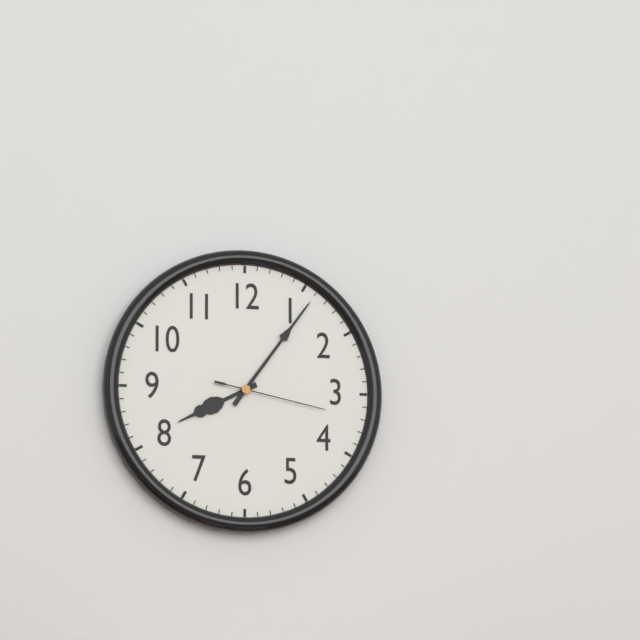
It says 8:06:17
